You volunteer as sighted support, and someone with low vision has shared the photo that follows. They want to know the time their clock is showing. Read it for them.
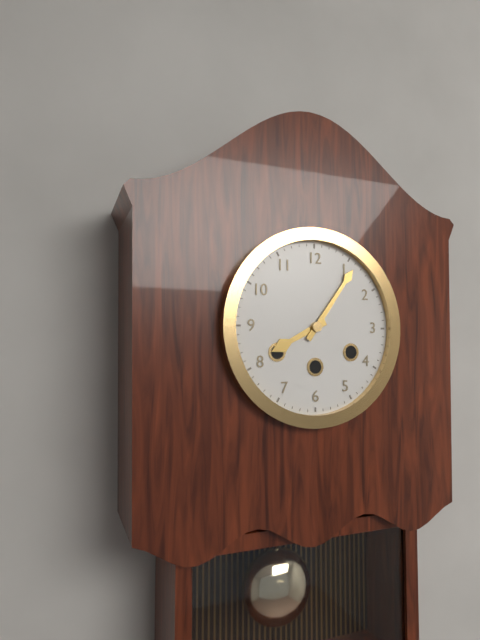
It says 8:06
